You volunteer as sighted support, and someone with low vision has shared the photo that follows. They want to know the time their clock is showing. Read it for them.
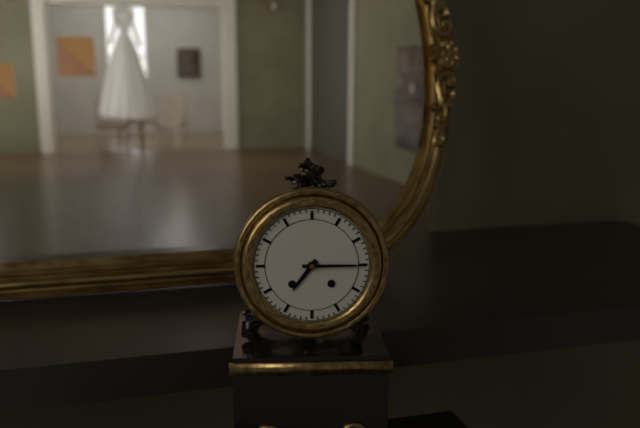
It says 7:15
